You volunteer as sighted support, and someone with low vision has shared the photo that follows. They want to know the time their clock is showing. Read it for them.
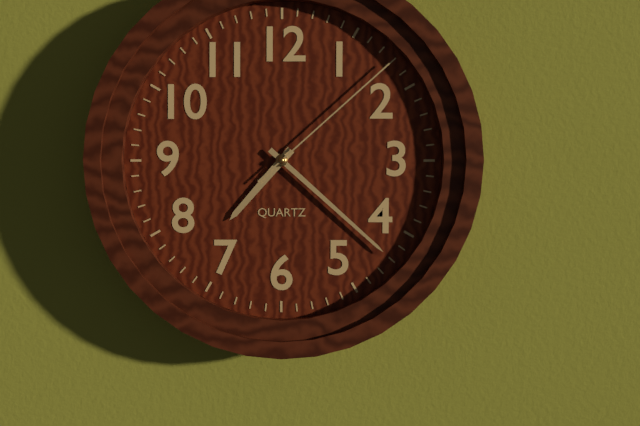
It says 7:22:08
